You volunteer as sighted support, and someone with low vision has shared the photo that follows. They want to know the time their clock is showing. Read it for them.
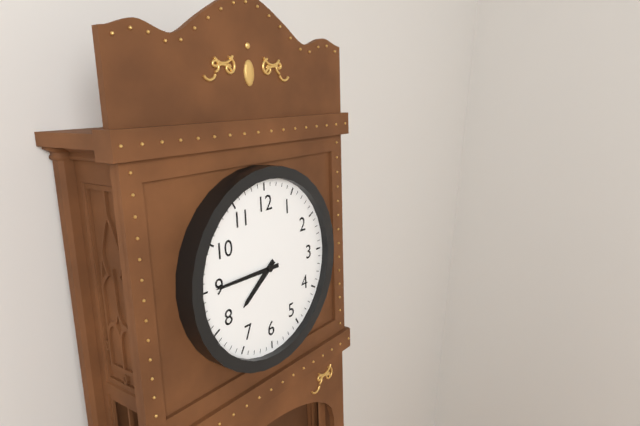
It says 7:45
